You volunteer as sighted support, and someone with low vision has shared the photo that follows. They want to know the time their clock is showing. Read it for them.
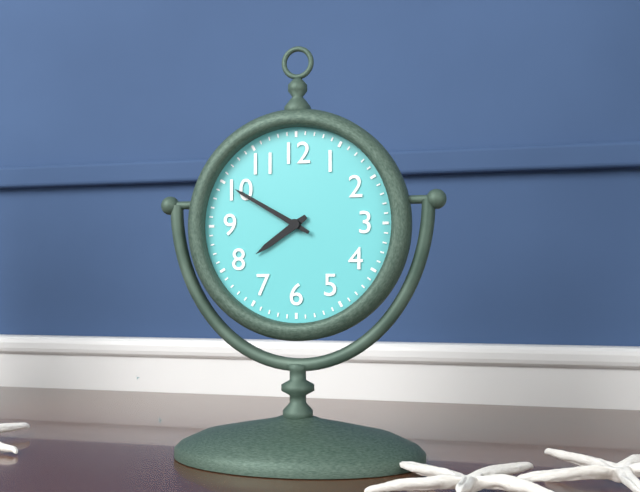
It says 7:50
